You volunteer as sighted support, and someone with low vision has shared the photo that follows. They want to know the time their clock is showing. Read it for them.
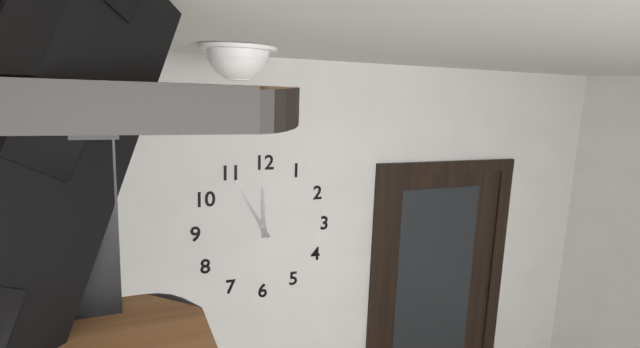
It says 11:55
